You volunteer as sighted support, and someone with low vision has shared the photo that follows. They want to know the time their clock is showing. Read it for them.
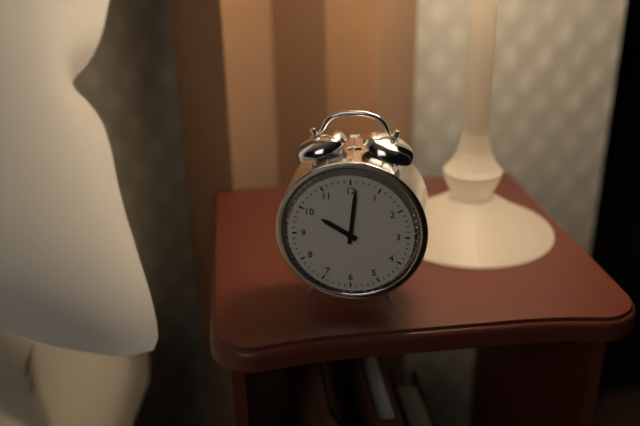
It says 10:01
